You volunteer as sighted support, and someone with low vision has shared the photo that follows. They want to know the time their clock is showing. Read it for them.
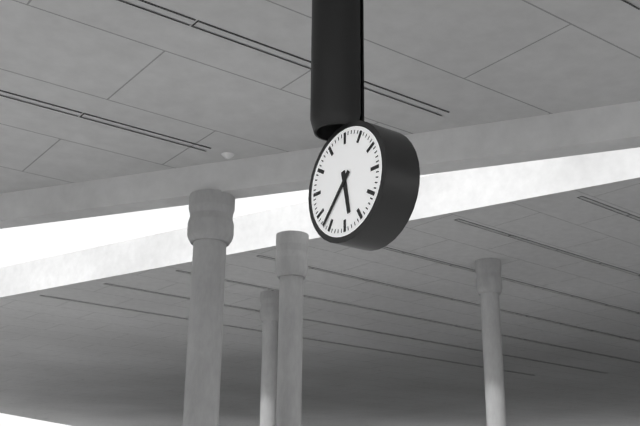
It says 5:37
